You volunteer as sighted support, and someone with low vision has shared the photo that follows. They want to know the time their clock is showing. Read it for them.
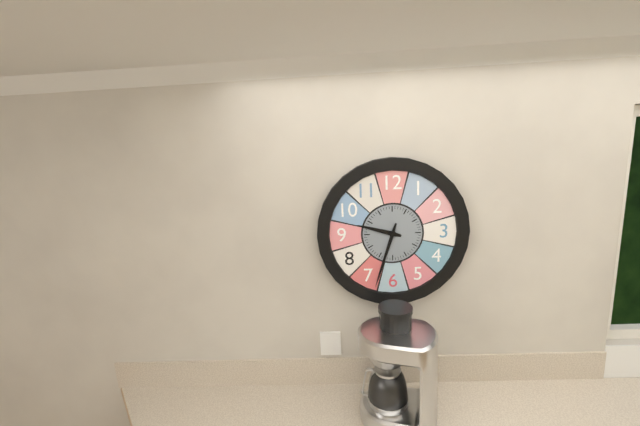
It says 9:33
